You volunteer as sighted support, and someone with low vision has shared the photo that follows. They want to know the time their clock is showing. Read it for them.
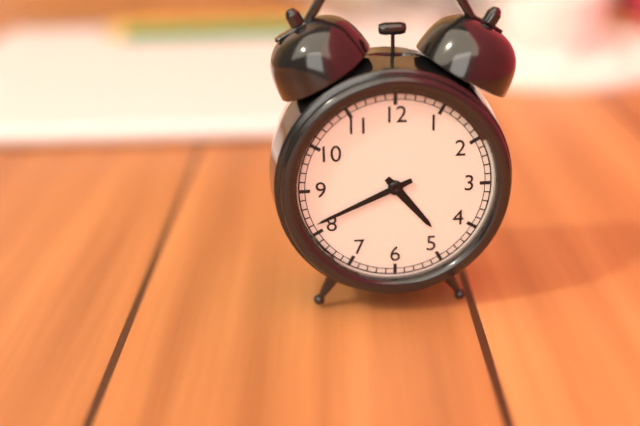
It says 4:41
